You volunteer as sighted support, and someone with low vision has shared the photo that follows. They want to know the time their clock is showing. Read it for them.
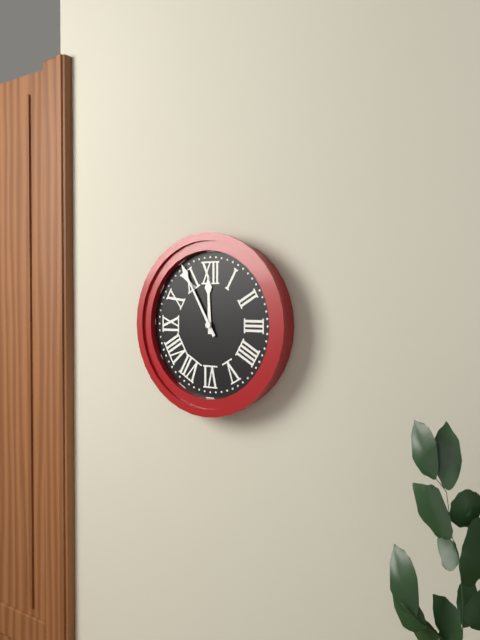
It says 11:55
